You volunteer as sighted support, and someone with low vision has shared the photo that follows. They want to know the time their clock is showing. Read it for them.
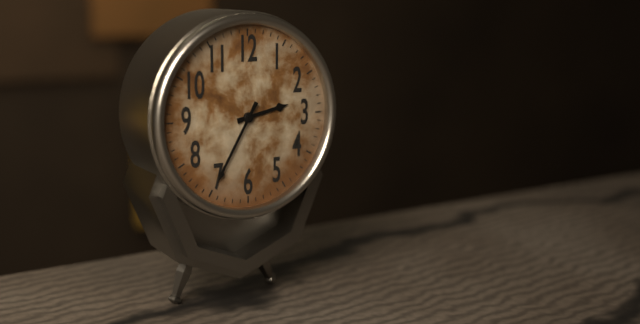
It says 2:35
